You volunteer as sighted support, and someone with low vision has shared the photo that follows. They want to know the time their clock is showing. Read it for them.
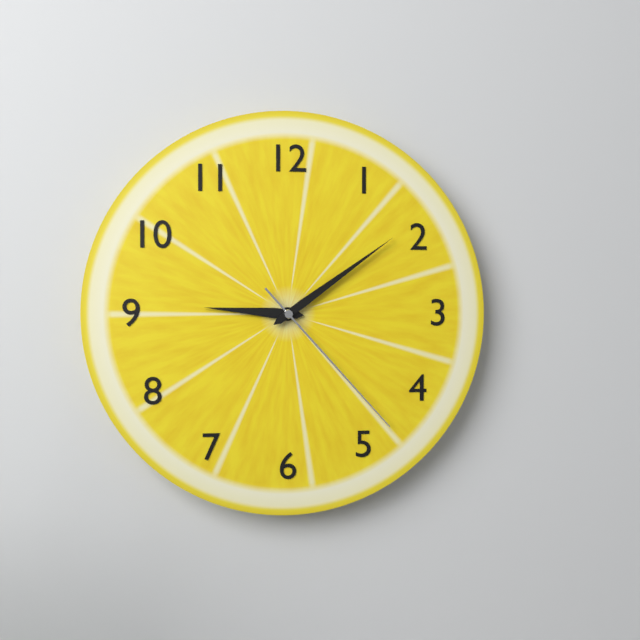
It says 9:09:23
